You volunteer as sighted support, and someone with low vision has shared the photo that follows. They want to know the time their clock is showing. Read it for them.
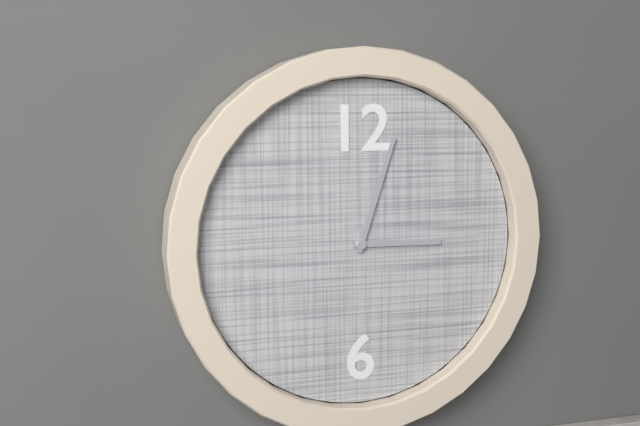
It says 3:03
